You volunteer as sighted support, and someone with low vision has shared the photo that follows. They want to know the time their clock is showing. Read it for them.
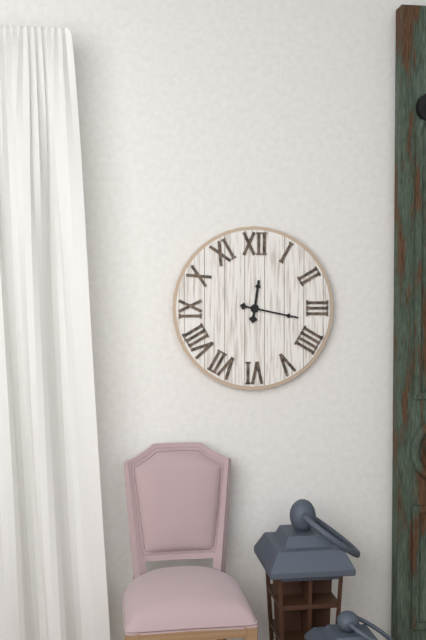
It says 12:17
